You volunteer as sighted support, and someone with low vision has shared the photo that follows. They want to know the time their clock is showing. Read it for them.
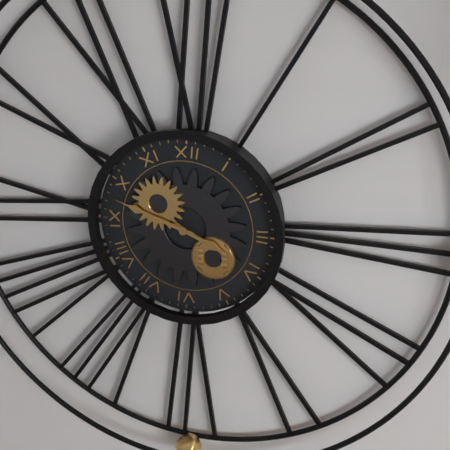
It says 3:48
